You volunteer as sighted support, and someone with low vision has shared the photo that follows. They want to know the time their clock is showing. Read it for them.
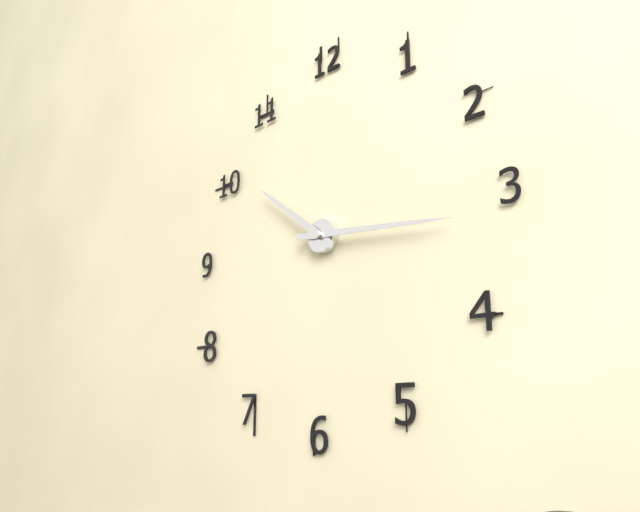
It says 10:16
